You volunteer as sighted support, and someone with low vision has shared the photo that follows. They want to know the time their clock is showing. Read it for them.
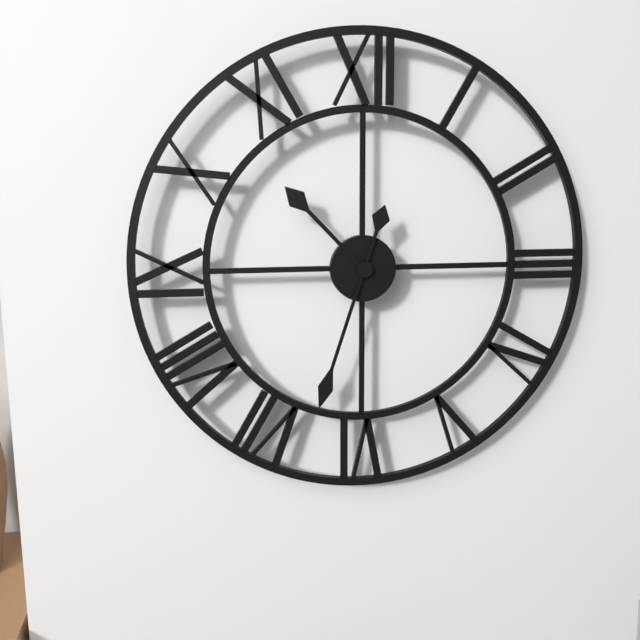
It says 10:33
